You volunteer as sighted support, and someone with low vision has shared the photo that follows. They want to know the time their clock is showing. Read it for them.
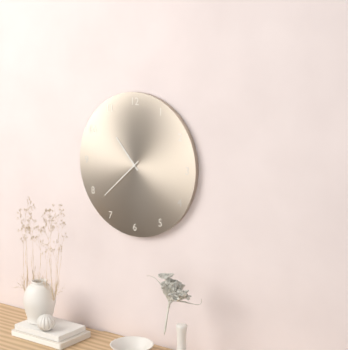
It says 10:38
